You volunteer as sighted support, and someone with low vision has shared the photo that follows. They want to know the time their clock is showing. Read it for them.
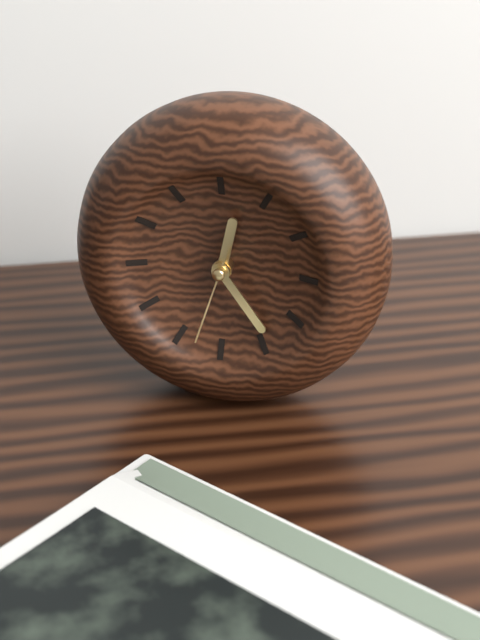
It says 12:24:33
